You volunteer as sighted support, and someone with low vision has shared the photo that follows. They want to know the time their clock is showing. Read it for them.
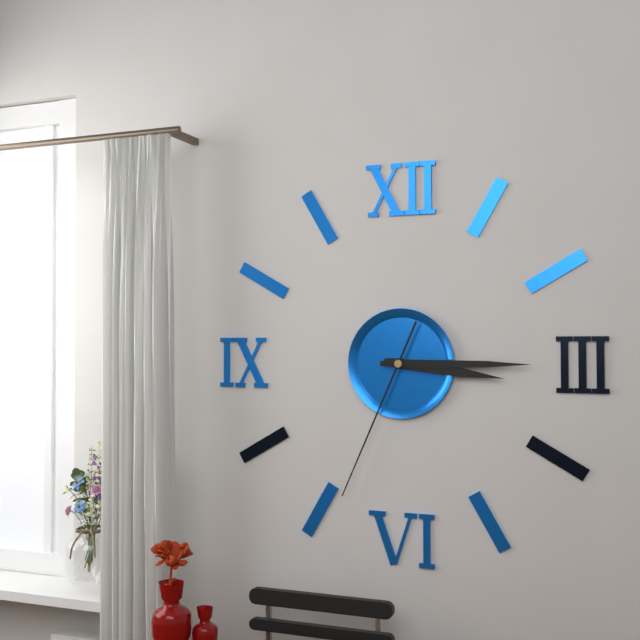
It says 3:15:34
